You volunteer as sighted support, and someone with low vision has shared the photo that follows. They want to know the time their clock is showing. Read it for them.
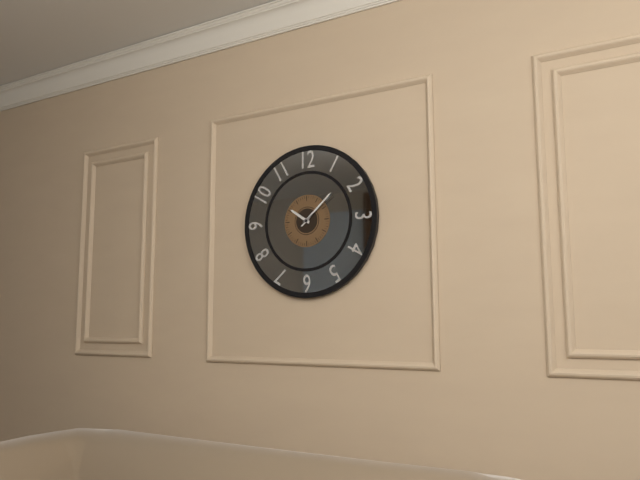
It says 10:08
